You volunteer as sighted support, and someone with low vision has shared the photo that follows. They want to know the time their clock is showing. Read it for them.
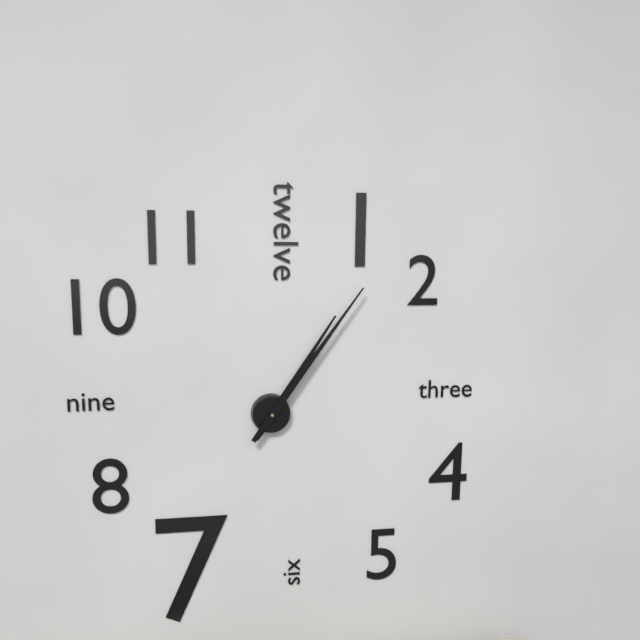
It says 1:06
